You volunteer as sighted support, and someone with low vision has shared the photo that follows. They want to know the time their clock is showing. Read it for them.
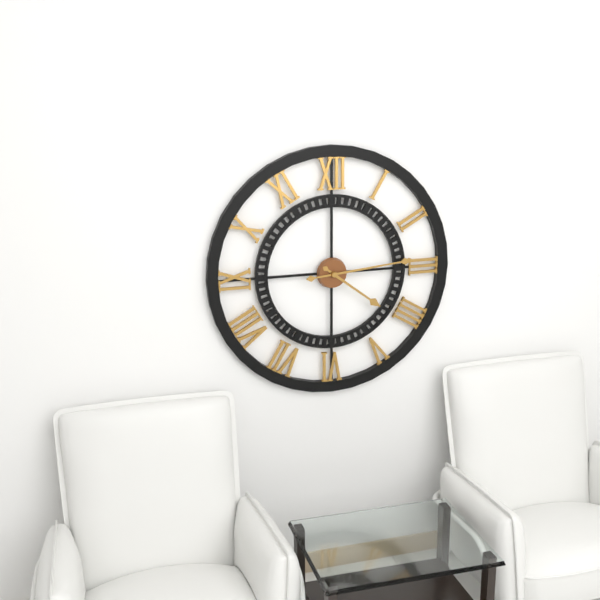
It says 4:14
